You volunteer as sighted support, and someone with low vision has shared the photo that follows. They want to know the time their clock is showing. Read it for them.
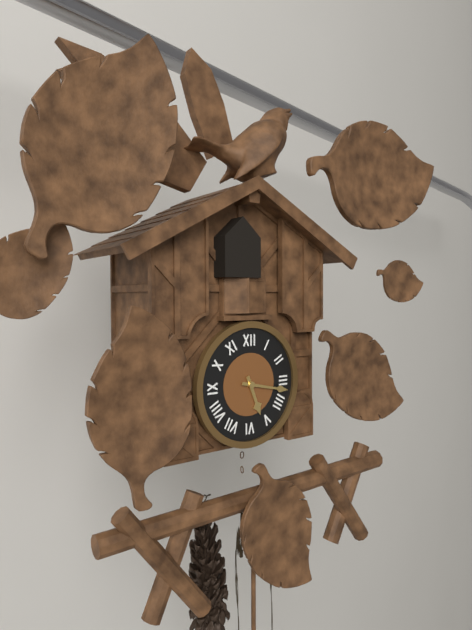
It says 5:17
